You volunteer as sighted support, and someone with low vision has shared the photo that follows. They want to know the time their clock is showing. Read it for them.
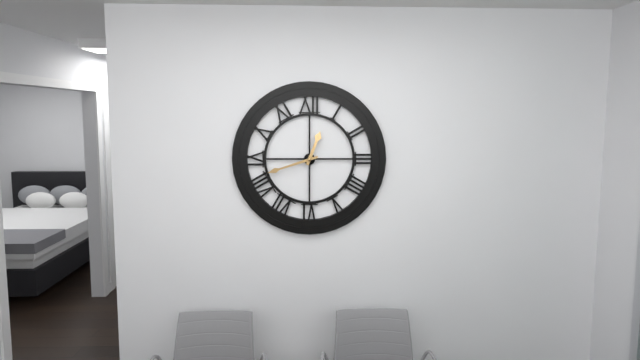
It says 12:42
